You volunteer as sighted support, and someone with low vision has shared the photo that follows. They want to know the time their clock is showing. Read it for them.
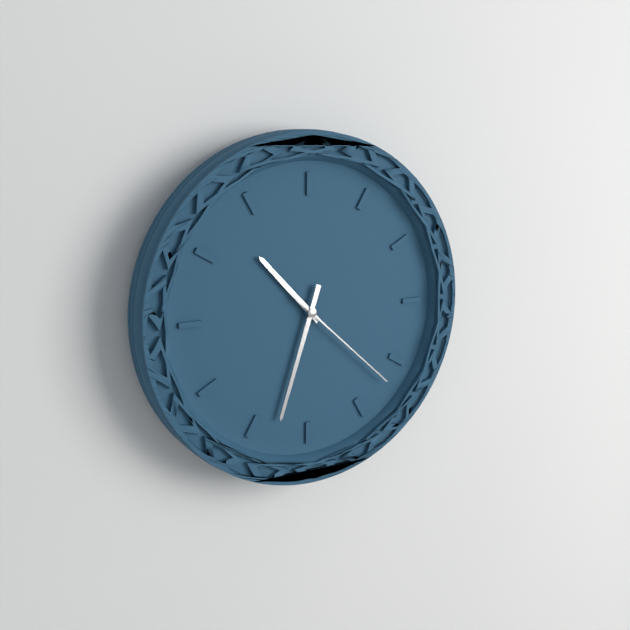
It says 10:33:22
